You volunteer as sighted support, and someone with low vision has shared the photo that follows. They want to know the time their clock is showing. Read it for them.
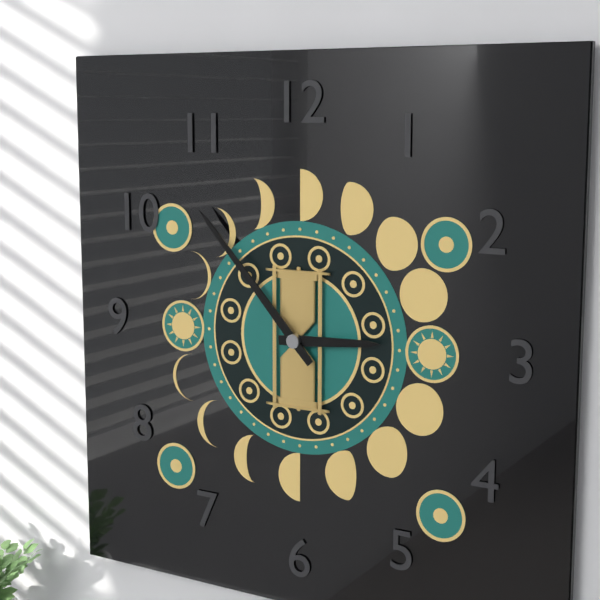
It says 2:53
